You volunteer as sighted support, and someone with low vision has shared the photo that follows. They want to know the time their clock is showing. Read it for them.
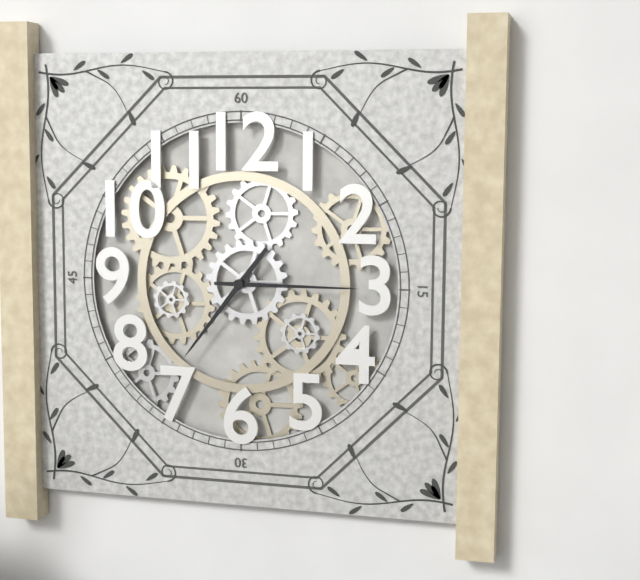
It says 7:15
